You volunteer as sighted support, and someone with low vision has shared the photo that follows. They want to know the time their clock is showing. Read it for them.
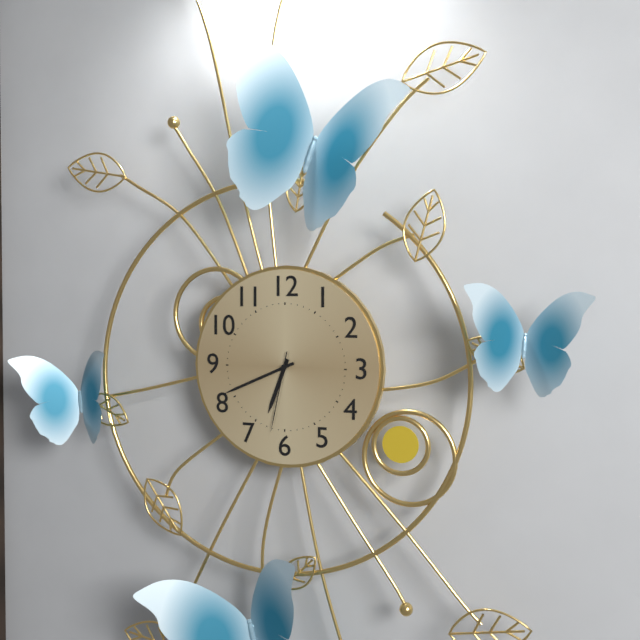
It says 6:41:32
